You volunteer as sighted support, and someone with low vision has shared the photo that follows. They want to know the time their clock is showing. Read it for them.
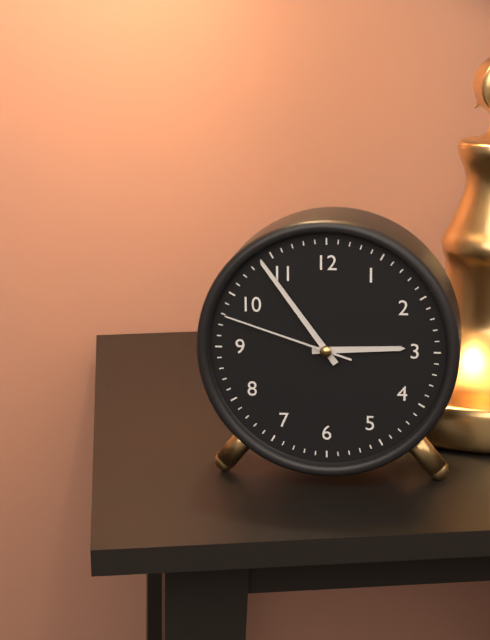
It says 2:54:48
